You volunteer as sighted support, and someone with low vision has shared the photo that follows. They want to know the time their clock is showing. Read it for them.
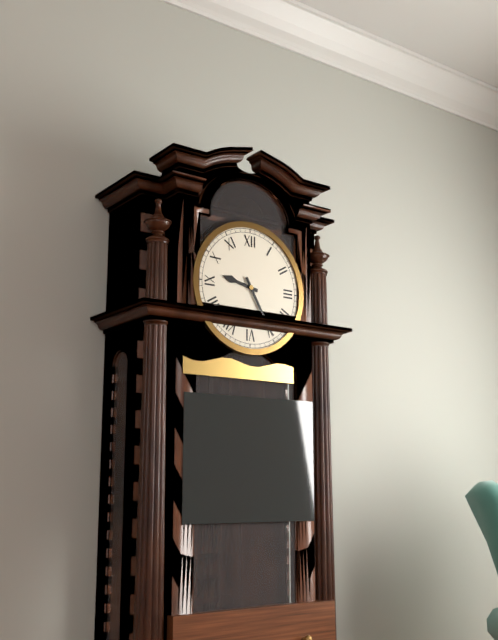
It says 9:25
